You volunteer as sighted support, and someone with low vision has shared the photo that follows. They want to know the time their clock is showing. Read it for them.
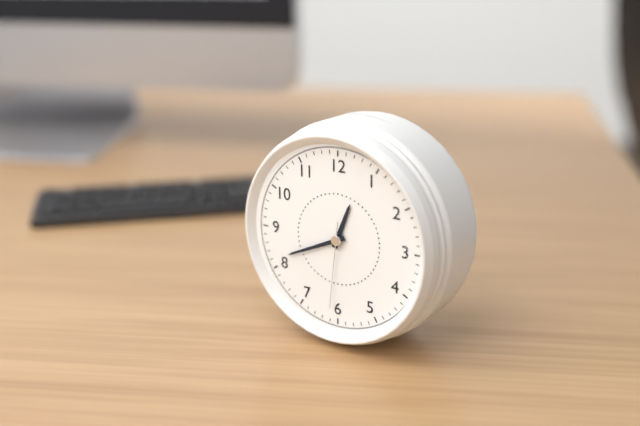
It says 12:41:31
